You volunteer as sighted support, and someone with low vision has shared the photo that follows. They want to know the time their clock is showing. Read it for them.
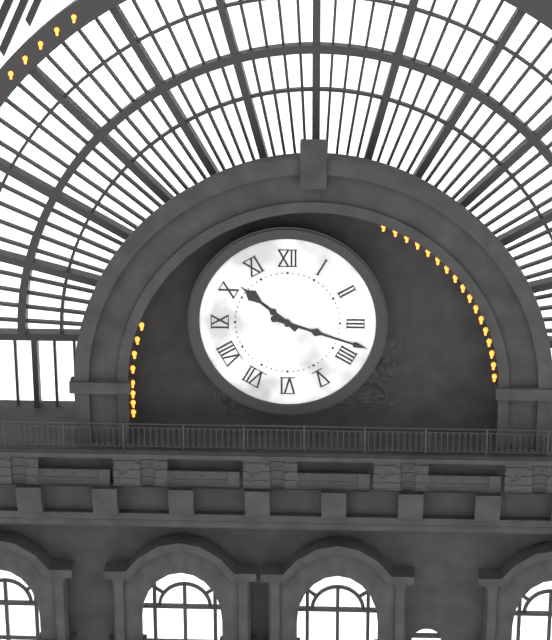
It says 10:18
